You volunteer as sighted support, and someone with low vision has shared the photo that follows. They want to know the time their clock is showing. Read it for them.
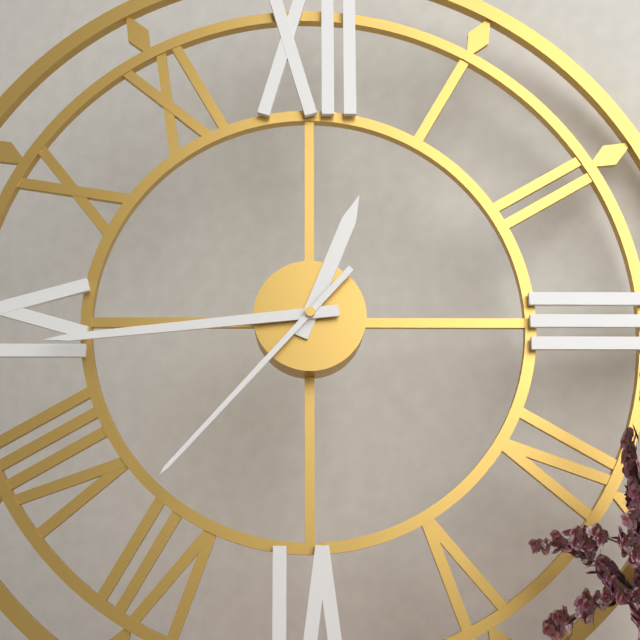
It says 12:44:37
